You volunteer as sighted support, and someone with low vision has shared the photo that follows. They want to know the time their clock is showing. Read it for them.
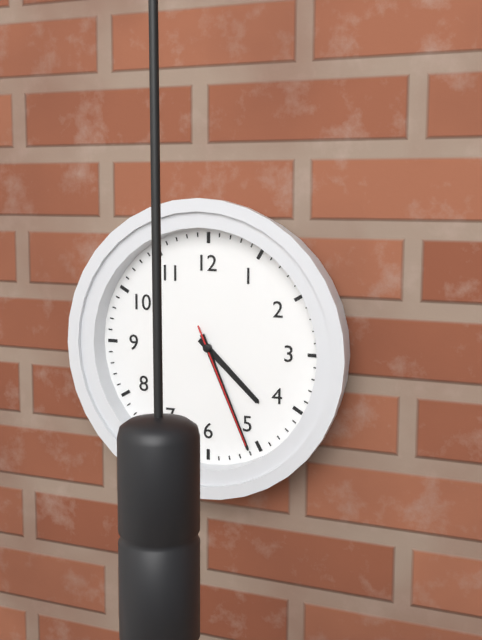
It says 4:26:26
